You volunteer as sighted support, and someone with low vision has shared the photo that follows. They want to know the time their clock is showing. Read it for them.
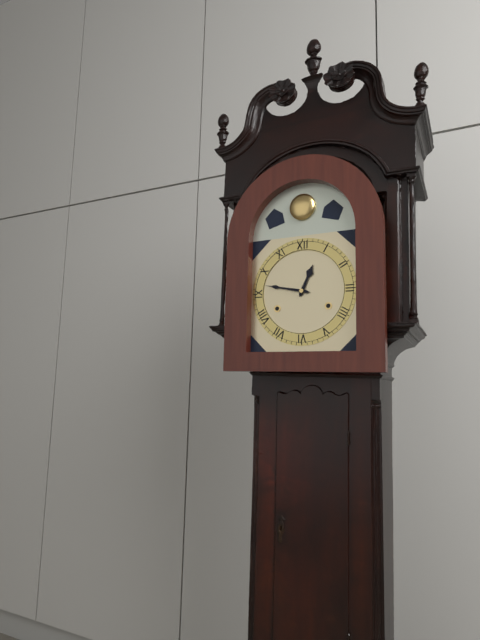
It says 12:47
